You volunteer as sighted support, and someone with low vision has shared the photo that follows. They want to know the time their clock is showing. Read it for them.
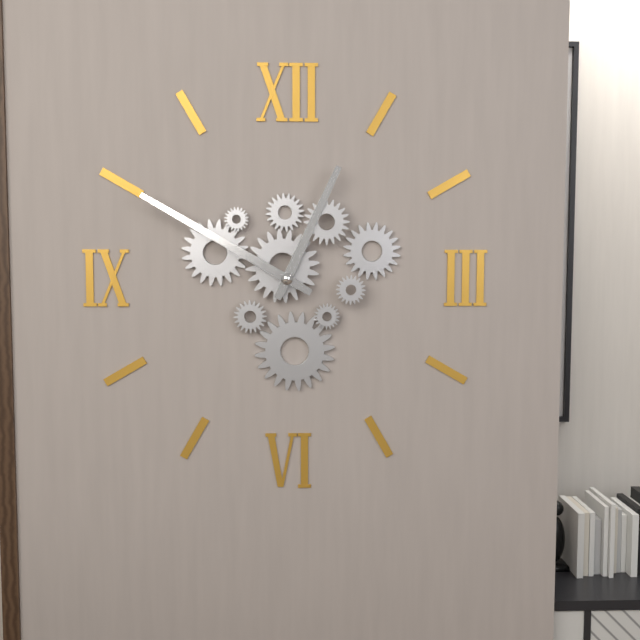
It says 12:50
